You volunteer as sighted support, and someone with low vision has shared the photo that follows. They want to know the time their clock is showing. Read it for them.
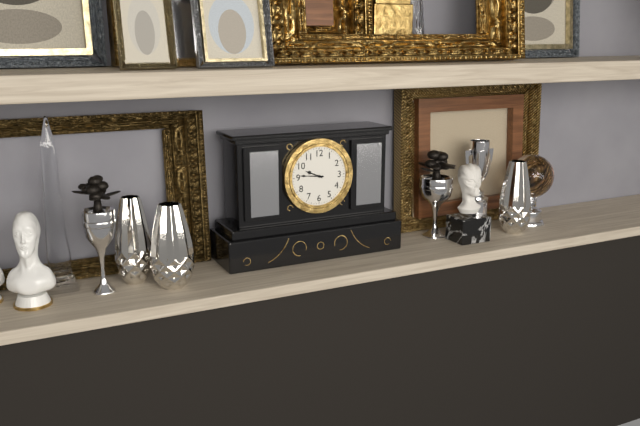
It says 9:46
